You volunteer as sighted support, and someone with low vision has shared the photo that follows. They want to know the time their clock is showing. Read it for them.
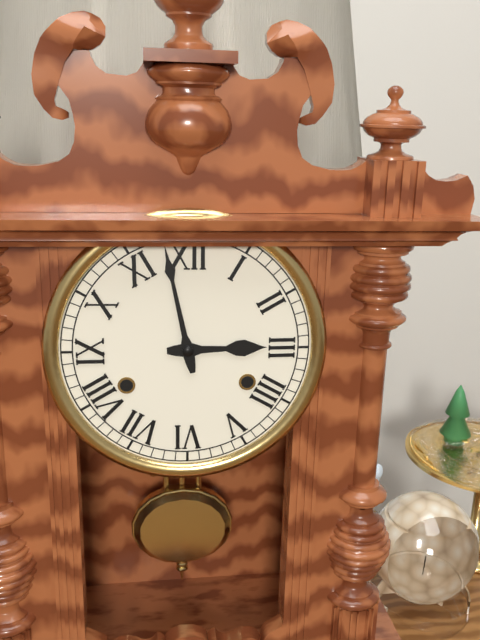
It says 2:58
